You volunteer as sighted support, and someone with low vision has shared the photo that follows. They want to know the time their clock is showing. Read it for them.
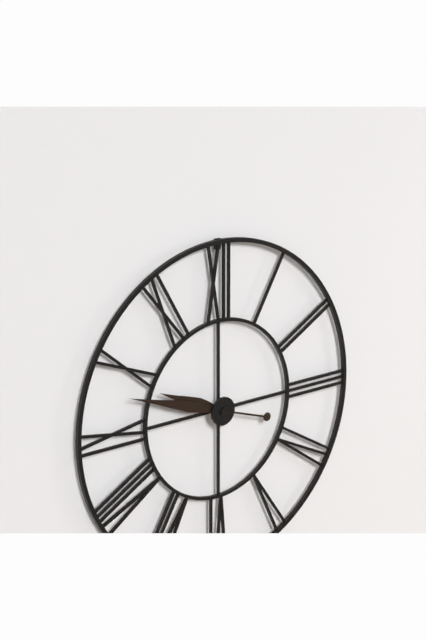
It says 9:48
